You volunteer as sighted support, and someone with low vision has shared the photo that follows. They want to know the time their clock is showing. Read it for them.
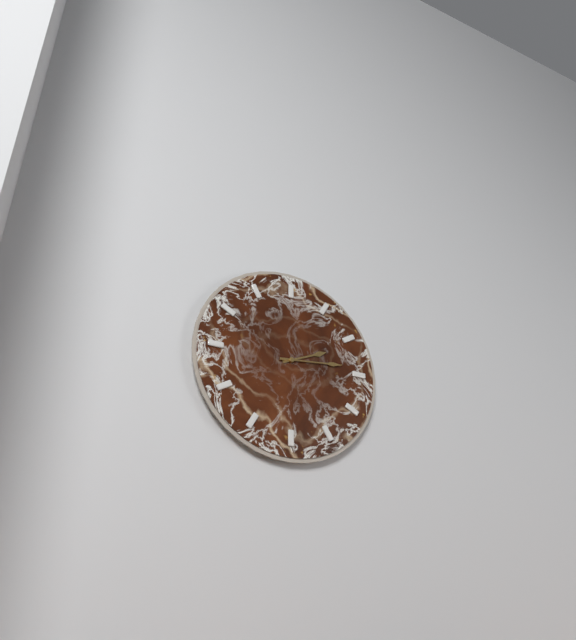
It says 2:14
